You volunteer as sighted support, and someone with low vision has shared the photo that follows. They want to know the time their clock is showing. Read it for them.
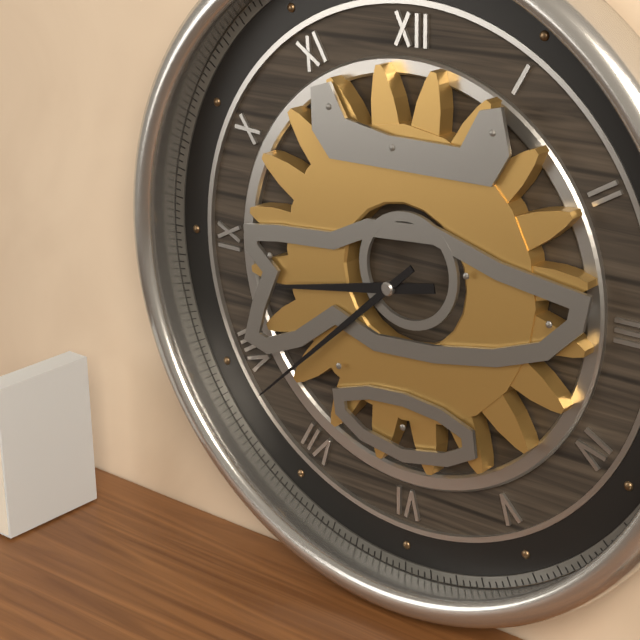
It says 8:38
